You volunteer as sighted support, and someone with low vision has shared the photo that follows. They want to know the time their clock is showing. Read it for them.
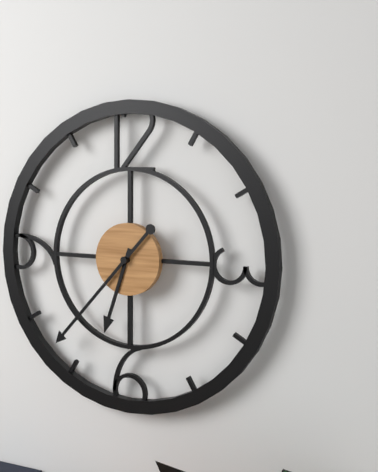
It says 6:37
